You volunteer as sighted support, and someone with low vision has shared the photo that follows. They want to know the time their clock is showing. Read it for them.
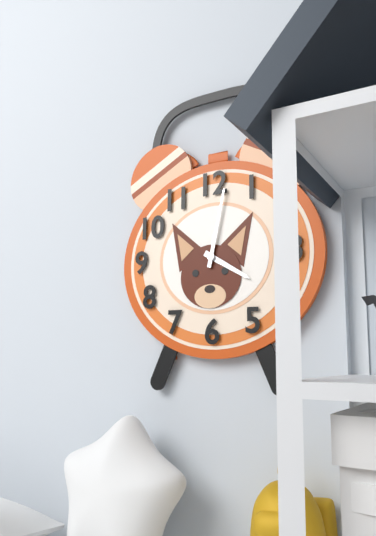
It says 4:02
